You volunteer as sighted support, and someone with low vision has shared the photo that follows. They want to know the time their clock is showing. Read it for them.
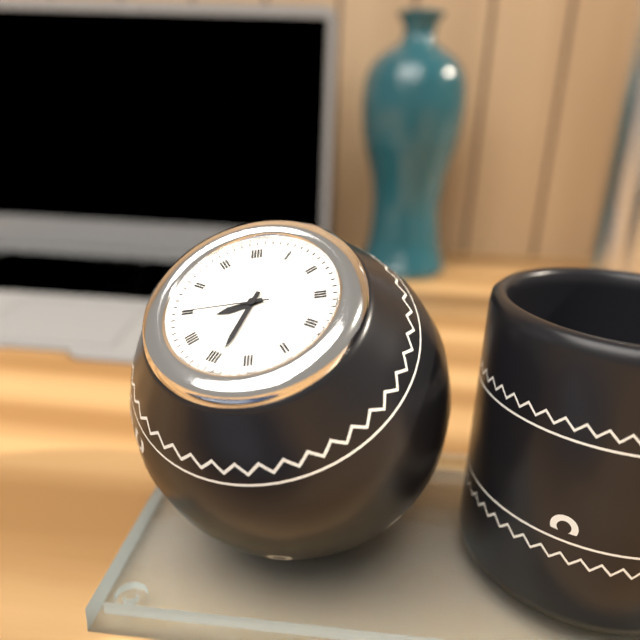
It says 8:34:45
